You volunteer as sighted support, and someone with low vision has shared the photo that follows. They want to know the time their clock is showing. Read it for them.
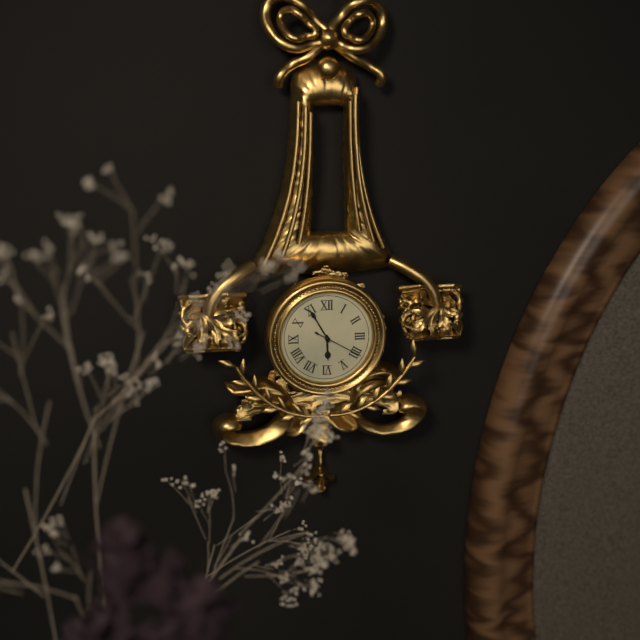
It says 5:55
